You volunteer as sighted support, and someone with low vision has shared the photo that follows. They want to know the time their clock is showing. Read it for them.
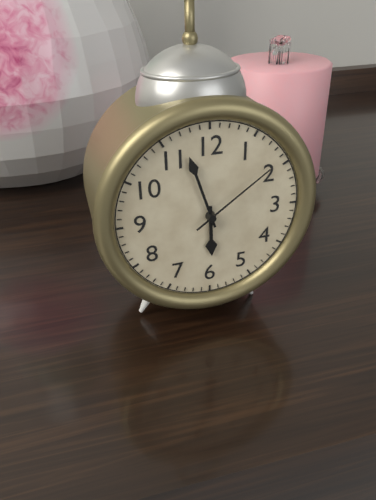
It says 5:57:09
